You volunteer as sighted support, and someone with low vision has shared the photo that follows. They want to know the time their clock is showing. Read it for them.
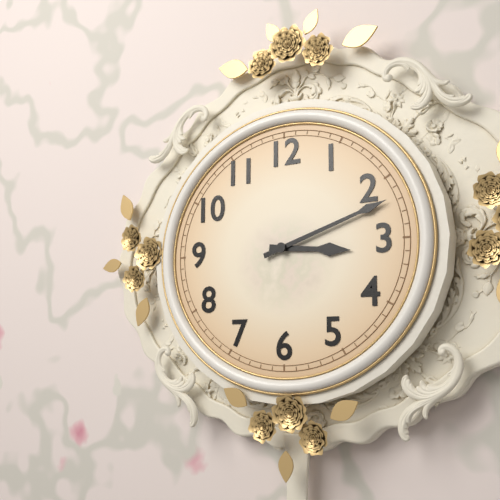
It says 3:12
